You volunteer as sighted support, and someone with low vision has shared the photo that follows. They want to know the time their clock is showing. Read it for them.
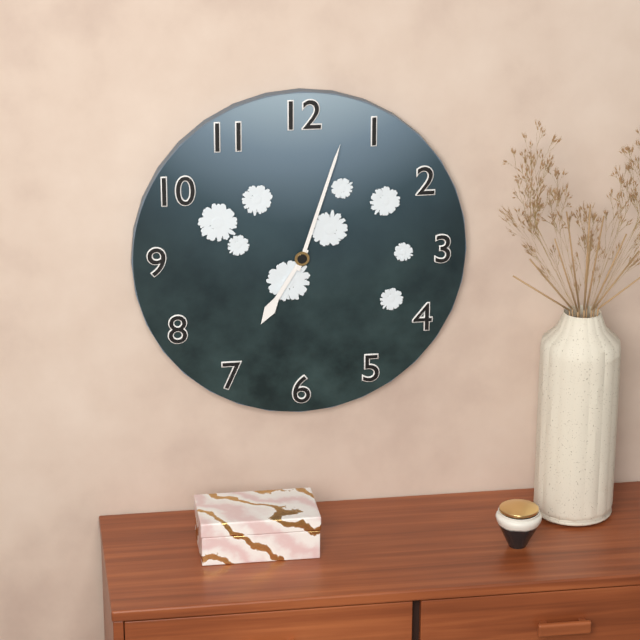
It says 7:03
